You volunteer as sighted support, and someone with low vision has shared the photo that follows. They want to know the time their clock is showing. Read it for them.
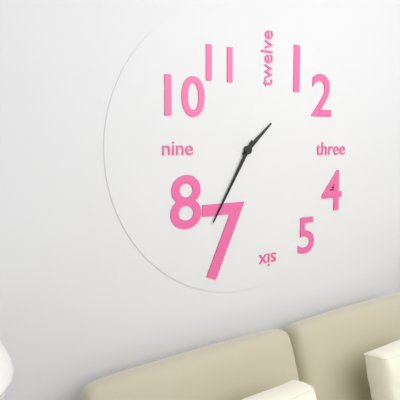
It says 1:35
